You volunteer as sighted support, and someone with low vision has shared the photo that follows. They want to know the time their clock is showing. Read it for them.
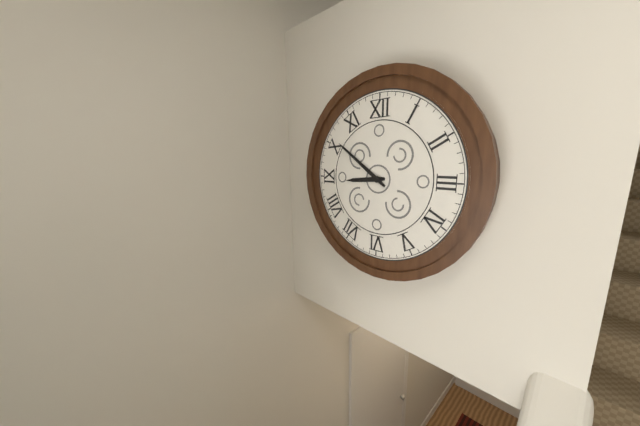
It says 8:51
